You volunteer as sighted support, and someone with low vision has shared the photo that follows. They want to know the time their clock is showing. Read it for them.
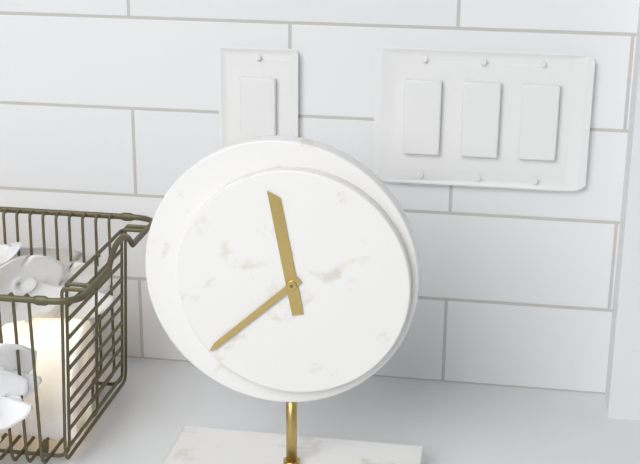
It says 11:38
